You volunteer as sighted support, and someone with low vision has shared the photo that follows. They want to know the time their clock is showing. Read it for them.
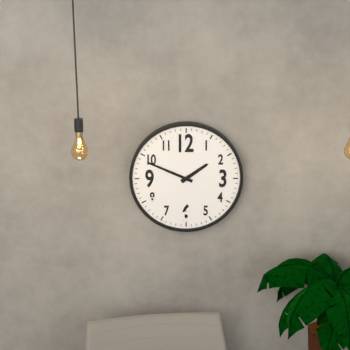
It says 1:49
